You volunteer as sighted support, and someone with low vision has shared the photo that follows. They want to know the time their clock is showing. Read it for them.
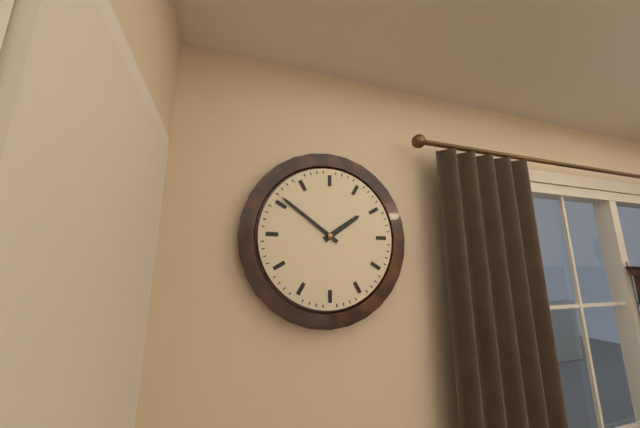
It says 1:51
